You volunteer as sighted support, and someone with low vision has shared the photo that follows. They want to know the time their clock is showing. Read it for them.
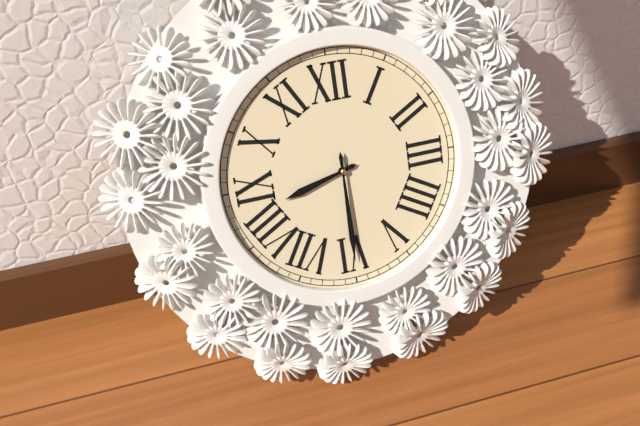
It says 8:30
